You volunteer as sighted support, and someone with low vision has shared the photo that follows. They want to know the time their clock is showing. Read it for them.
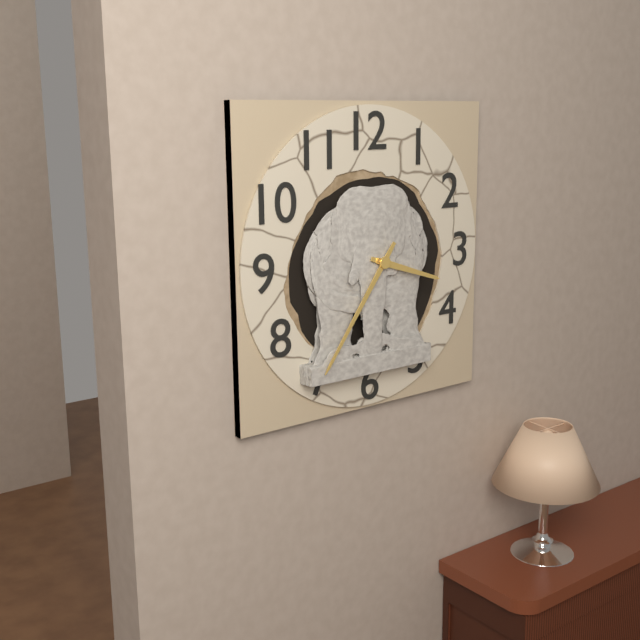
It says 3:36
